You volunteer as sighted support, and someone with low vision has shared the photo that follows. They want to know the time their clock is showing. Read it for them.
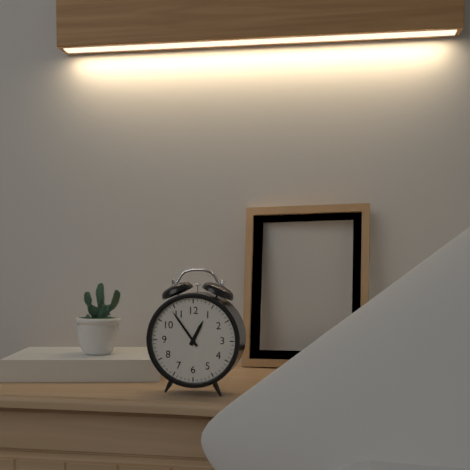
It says 12:54
